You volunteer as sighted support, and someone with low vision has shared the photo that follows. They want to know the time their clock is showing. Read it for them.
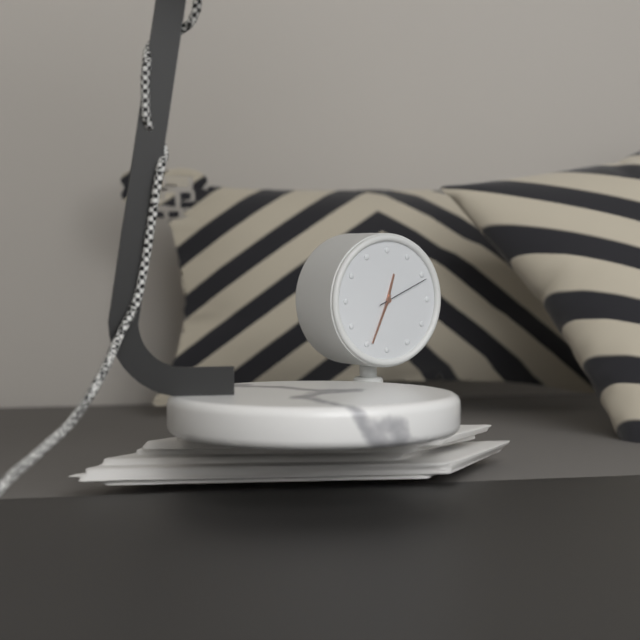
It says 12:34:11
